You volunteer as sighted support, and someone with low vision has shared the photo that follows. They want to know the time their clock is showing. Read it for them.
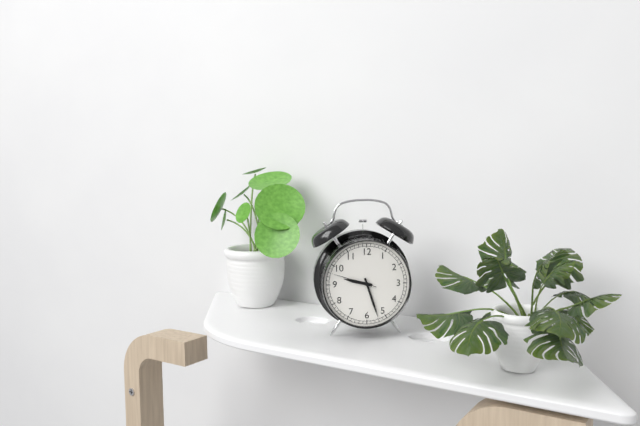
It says 9:27
